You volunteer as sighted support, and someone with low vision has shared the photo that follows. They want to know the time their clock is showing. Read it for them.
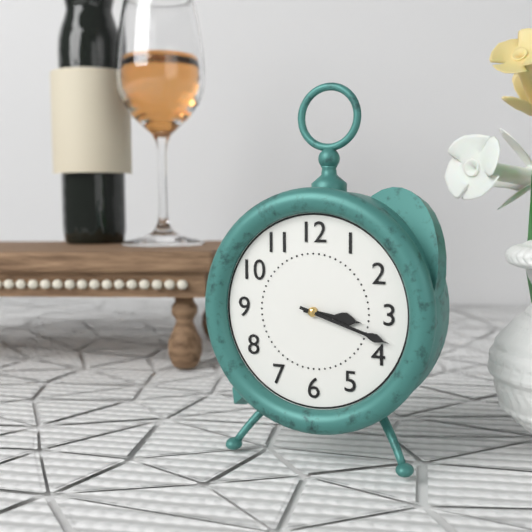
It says 3:18
